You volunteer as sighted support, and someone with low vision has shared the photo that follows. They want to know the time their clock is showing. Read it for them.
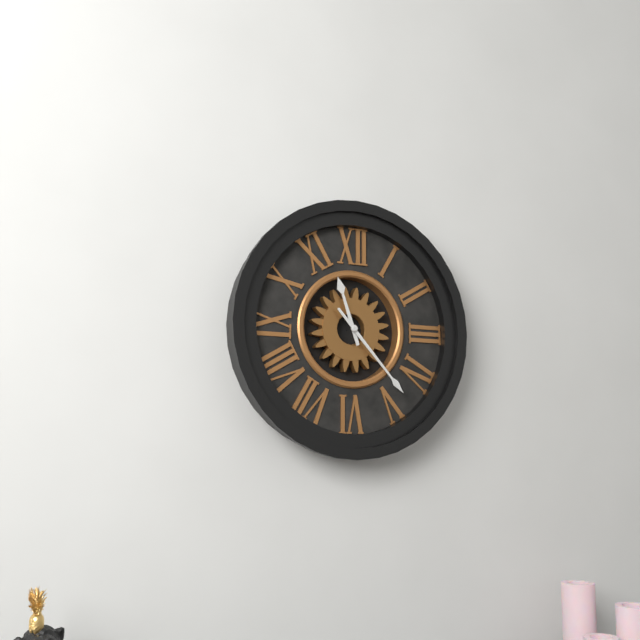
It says 11:23
